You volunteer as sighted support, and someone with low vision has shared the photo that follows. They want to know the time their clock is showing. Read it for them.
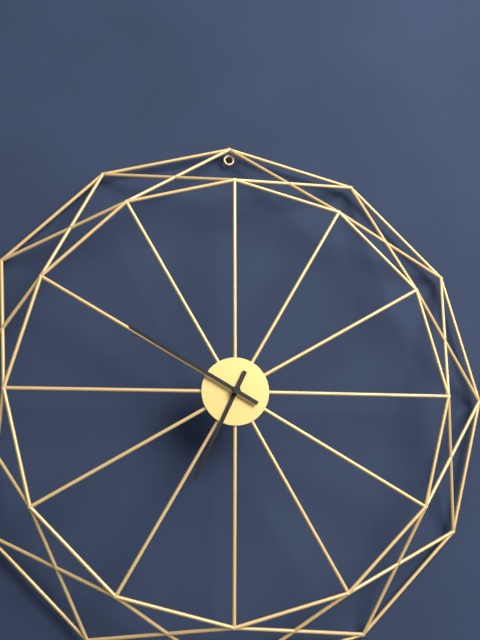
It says 6:50
